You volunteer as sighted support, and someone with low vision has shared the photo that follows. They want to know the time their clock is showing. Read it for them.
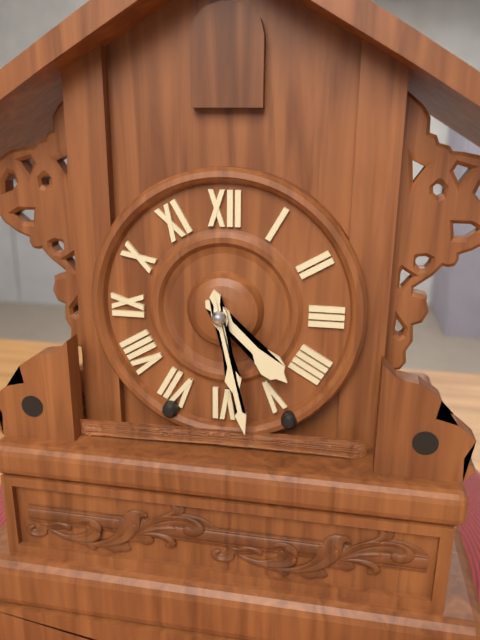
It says 4:28
